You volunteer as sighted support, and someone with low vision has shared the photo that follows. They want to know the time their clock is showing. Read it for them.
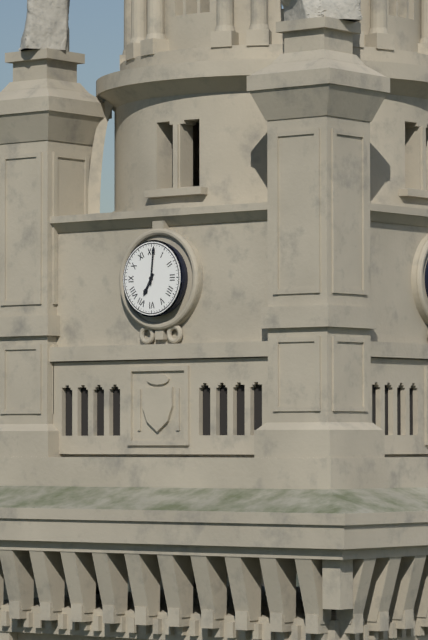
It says 7:01
